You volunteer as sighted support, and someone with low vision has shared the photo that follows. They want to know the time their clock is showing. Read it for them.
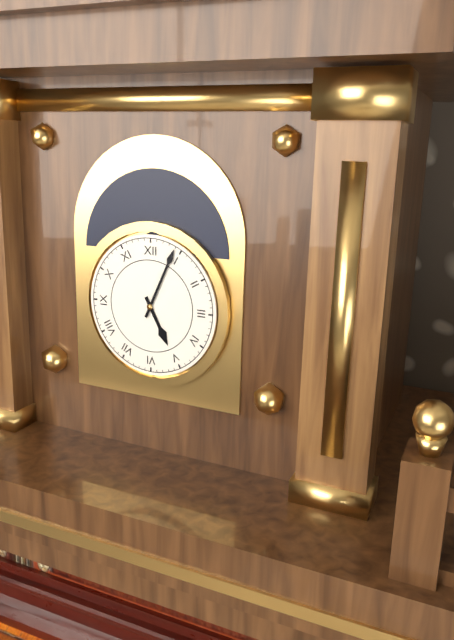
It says 5:04
